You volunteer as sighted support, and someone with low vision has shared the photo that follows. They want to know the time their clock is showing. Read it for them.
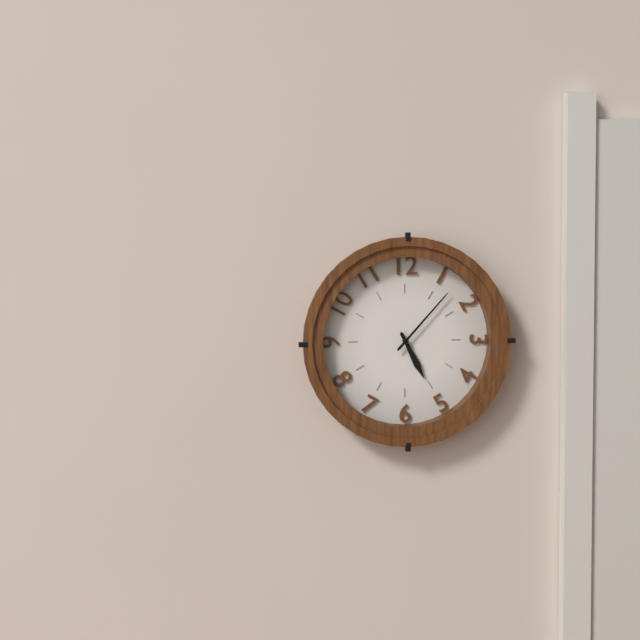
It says 5:07
